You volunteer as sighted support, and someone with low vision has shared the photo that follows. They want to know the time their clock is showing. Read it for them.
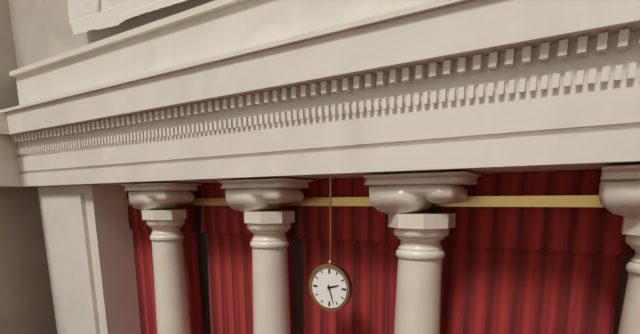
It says 2:27
